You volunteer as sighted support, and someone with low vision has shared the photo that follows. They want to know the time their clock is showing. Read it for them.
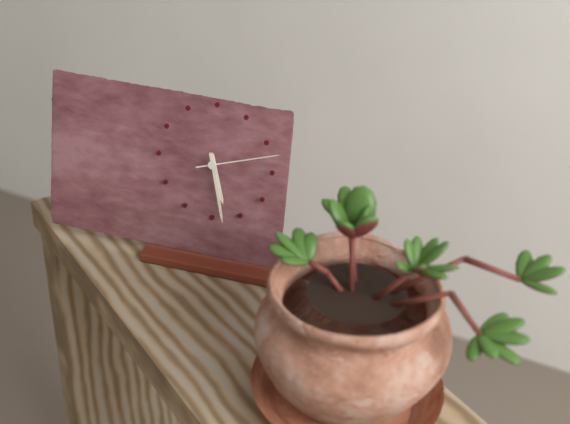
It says 5:28:12
